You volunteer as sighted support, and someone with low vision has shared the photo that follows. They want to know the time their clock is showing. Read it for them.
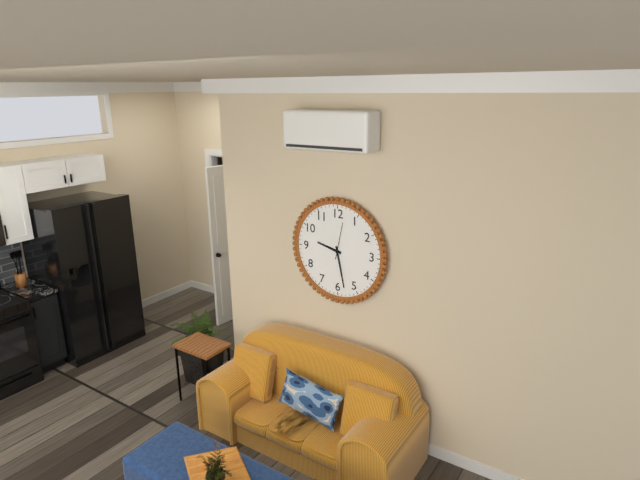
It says 9:28
